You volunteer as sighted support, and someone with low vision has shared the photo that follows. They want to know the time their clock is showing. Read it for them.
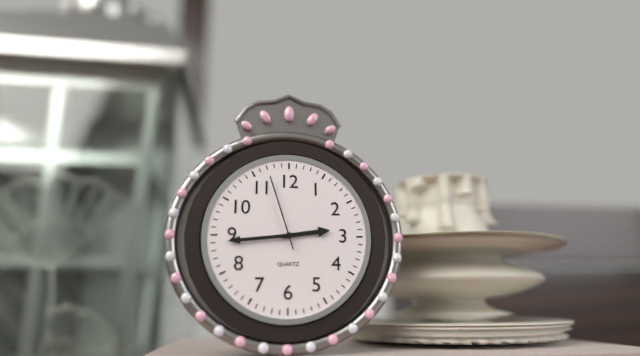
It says 2:44:57
